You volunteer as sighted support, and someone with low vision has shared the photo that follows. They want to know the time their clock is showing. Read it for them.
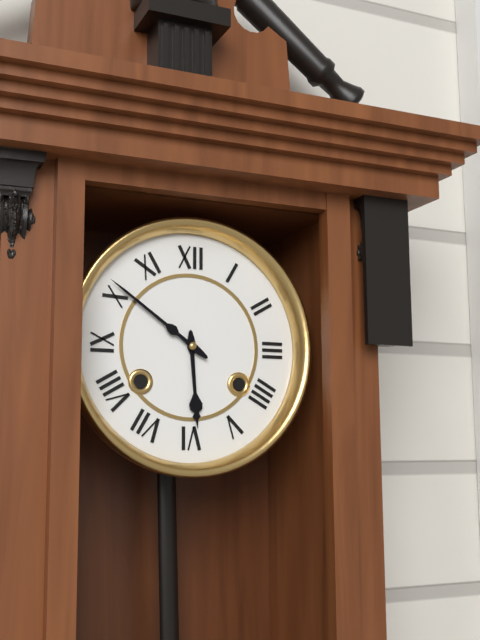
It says 5:51
